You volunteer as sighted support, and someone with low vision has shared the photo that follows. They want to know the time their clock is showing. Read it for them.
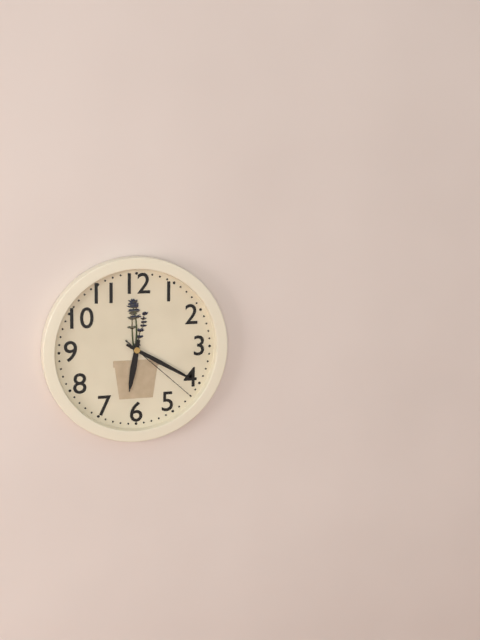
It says 6:20:22
